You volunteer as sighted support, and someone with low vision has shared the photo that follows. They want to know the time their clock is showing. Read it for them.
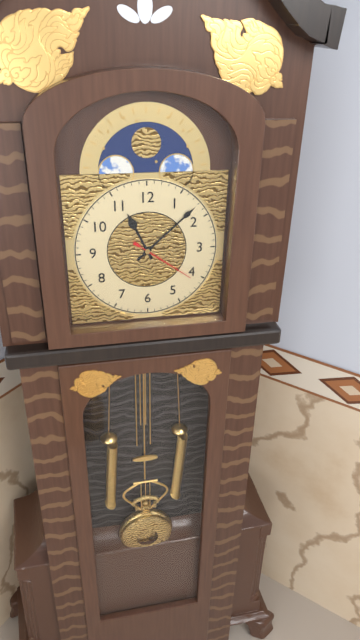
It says 11:08:21
